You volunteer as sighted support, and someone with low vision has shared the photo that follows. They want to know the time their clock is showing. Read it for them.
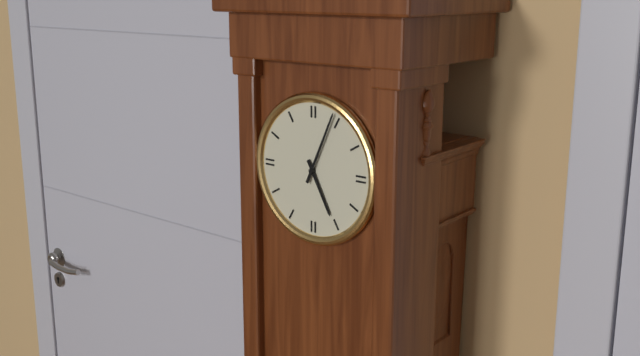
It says 5:04
